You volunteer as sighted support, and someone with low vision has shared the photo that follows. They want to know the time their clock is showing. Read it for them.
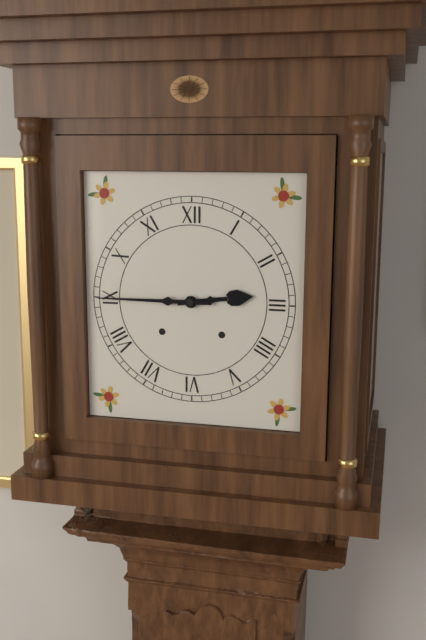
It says 2:45
